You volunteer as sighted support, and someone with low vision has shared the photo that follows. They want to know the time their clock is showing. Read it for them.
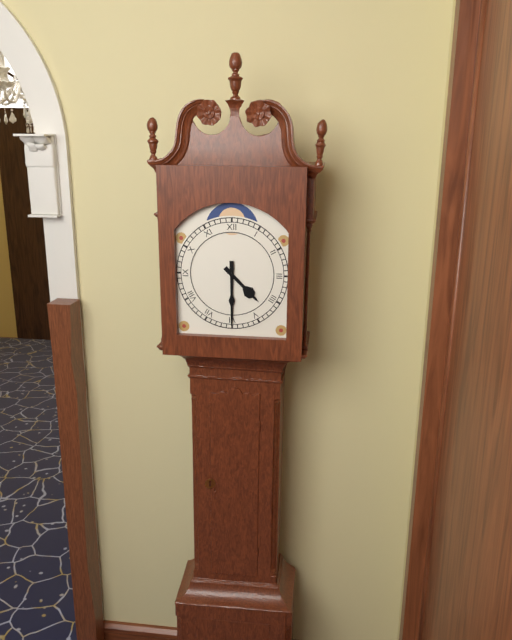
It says 4:30
